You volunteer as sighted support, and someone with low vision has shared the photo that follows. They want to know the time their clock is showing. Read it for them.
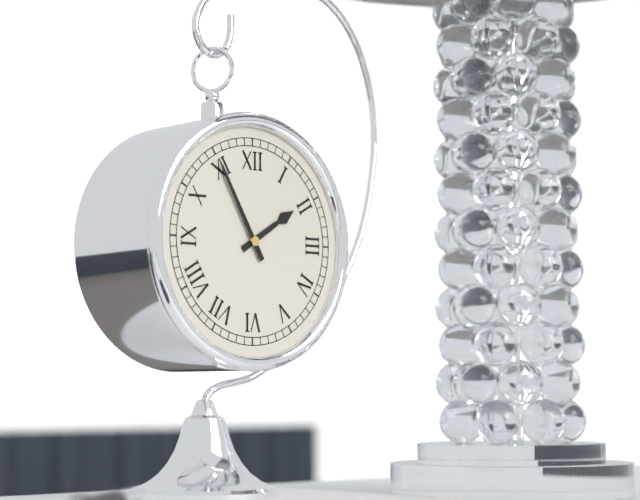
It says 1:55
